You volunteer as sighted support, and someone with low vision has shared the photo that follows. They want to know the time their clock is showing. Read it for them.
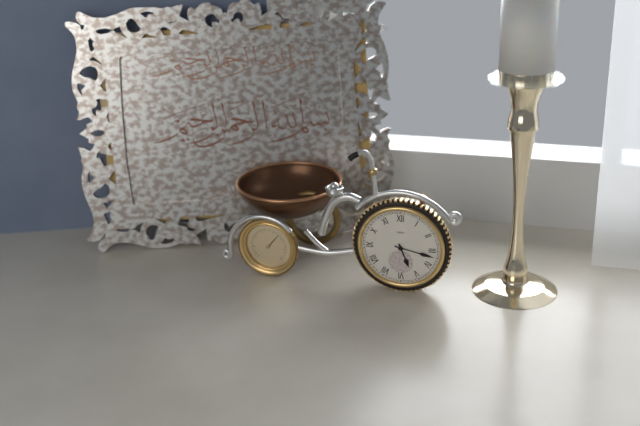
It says 5:17
